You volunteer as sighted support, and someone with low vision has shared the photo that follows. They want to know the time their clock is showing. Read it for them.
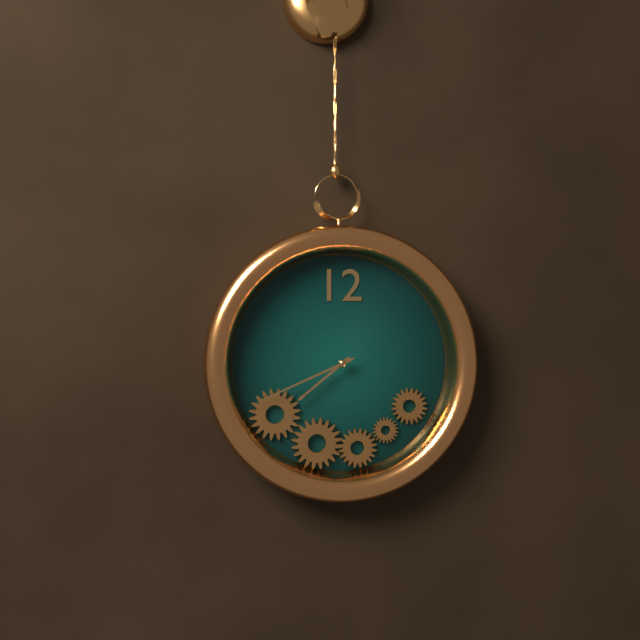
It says 7:41
